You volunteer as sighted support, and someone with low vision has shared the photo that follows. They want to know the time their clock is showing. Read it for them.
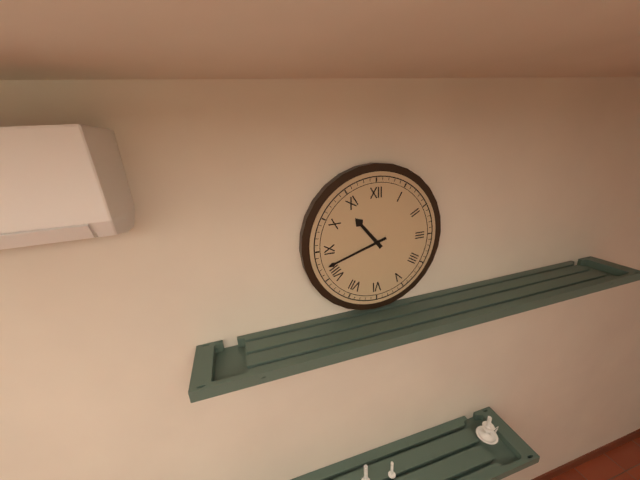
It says 10:42
